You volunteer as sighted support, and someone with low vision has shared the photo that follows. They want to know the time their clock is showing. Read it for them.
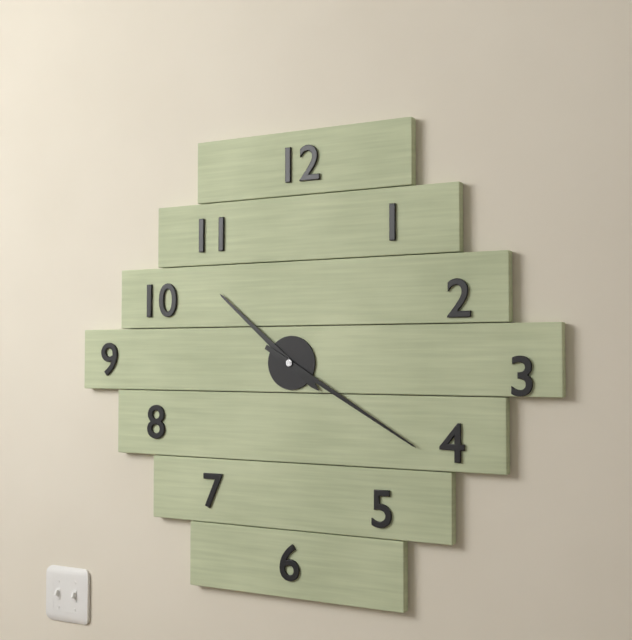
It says 10:20
